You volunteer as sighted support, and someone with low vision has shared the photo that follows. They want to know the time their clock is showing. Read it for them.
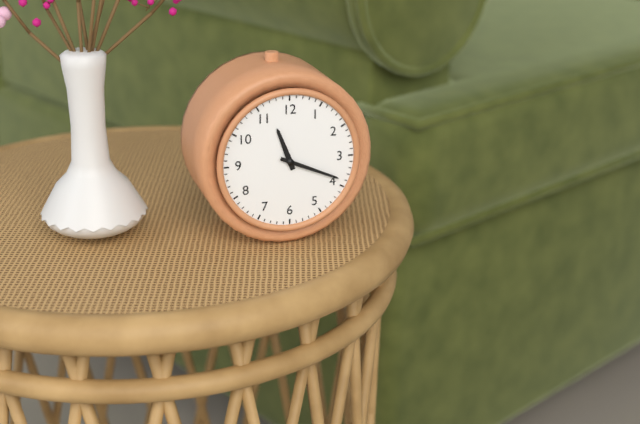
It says 11:19
